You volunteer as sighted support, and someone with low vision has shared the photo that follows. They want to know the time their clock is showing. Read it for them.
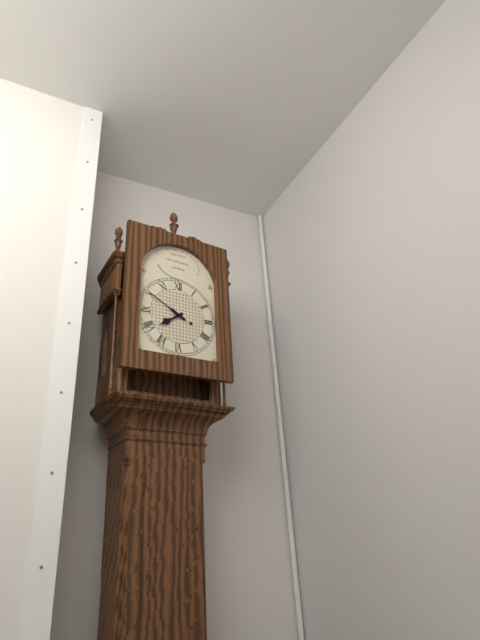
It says 7:50
